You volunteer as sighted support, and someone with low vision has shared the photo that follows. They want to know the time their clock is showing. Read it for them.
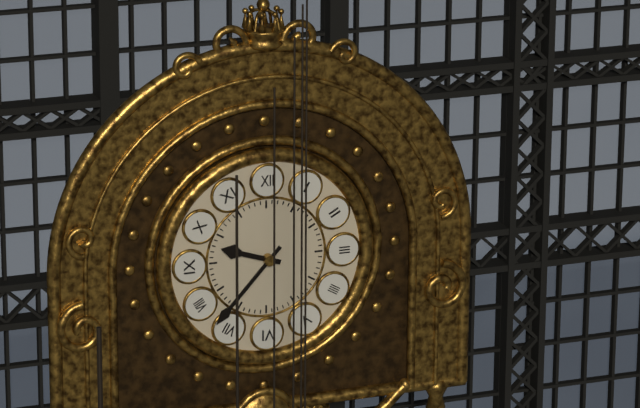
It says 9:37
